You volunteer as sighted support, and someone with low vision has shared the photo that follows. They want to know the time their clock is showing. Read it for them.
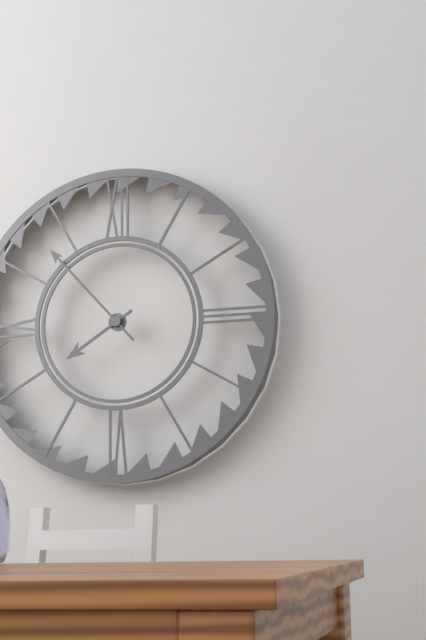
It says 7:53
